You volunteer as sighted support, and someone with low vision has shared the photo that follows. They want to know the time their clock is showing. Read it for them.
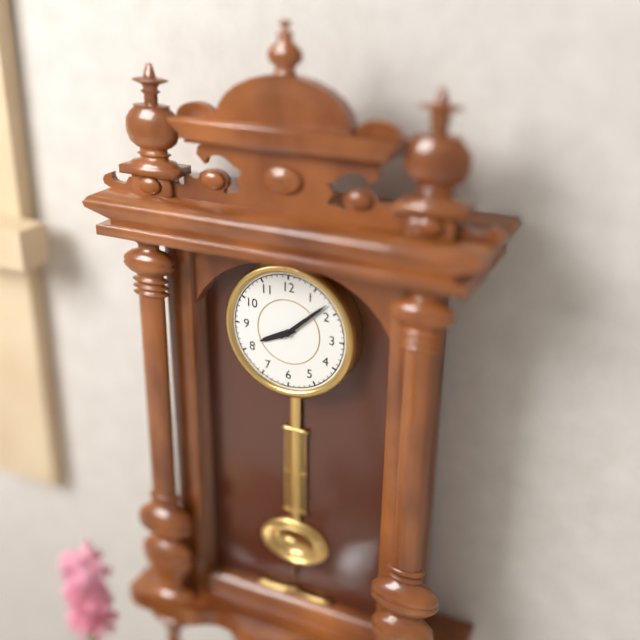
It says 8:08
